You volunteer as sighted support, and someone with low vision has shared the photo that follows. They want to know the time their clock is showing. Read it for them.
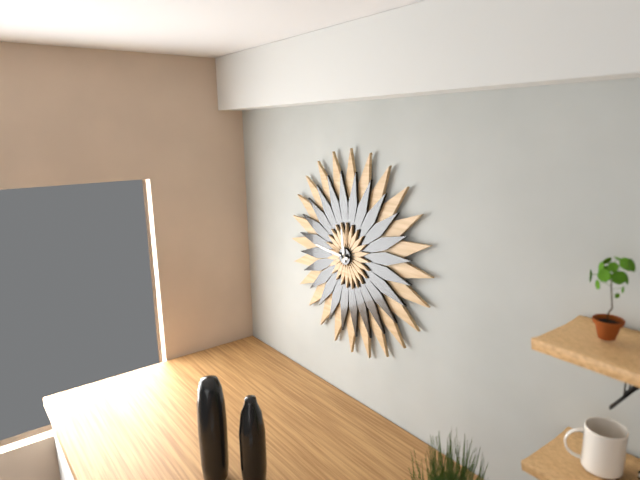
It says 11:46
